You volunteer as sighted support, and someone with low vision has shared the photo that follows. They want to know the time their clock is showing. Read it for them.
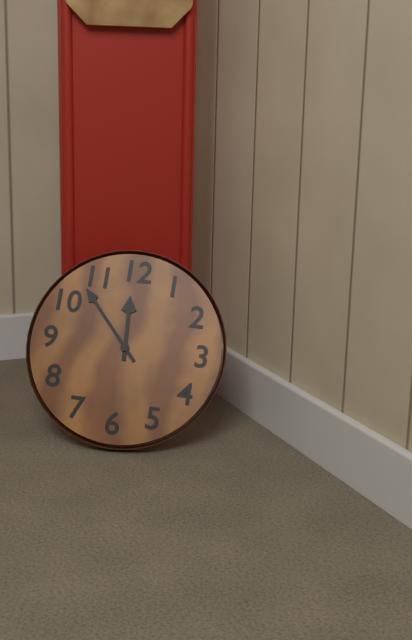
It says 11:53
